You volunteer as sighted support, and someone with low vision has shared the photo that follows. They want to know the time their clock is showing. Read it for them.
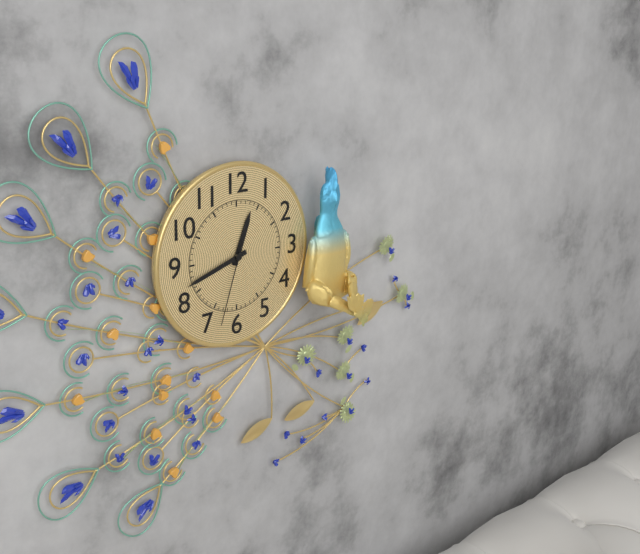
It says 12:42:33
